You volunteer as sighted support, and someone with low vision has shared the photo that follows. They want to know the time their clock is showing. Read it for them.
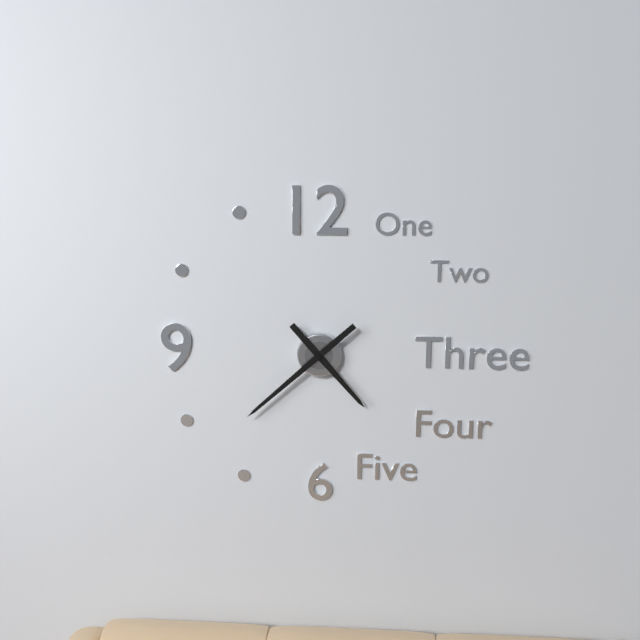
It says 4:38
